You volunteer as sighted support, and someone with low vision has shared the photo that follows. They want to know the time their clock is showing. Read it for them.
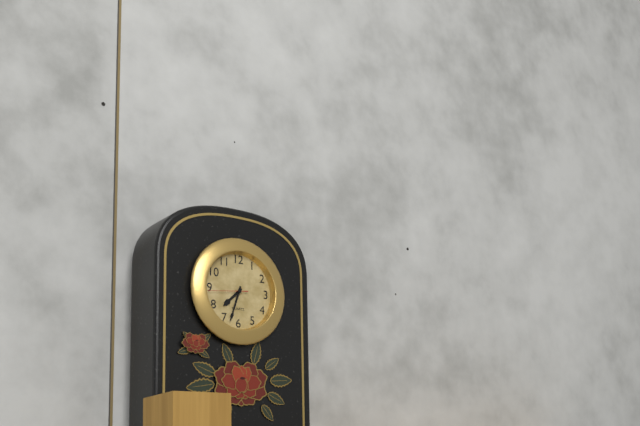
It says 7:33
